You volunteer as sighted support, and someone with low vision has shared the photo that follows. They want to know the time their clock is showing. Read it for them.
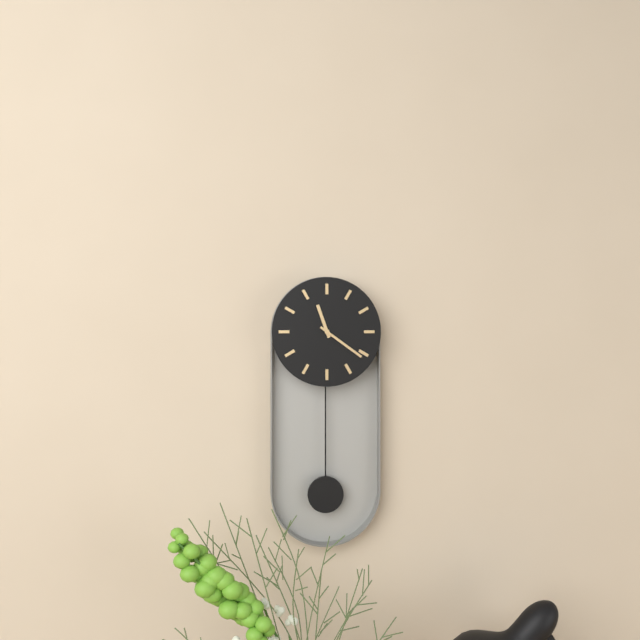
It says 11:21
